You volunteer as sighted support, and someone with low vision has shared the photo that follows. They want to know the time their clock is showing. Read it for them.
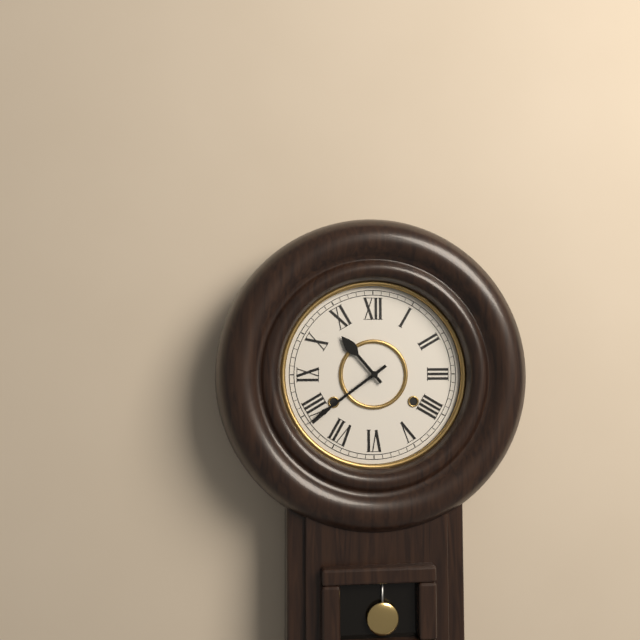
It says 10:39
